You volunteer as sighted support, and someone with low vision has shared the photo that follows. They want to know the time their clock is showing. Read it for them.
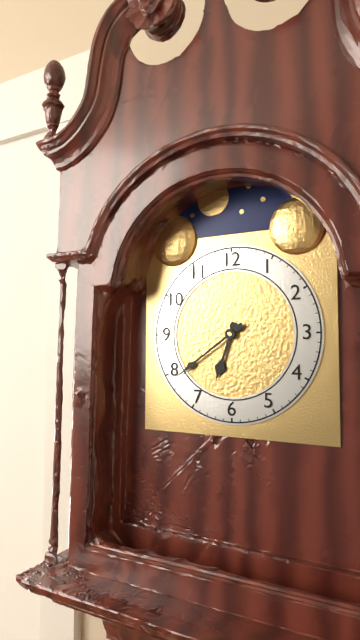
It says 6:39
